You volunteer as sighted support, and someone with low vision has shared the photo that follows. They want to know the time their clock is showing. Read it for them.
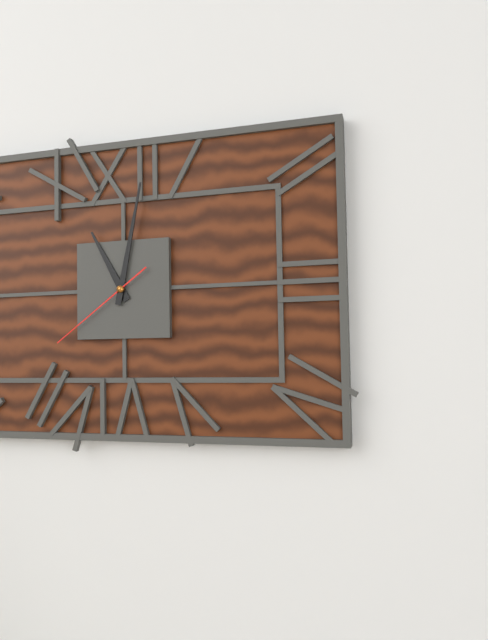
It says 11:02:39
